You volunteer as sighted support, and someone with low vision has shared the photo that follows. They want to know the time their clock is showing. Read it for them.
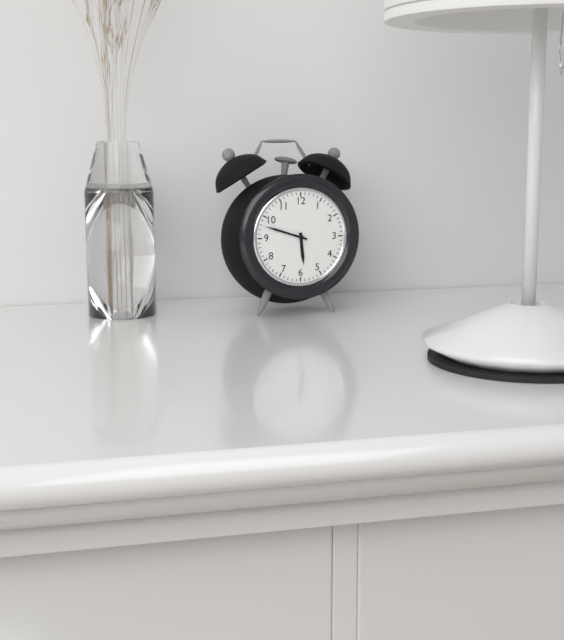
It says 5:48
